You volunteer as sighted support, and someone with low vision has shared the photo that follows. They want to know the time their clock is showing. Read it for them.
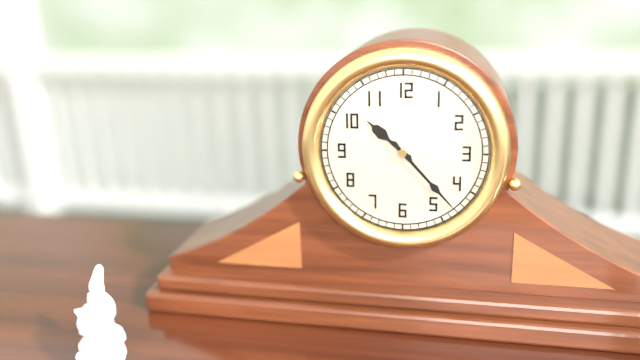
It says 10:23
